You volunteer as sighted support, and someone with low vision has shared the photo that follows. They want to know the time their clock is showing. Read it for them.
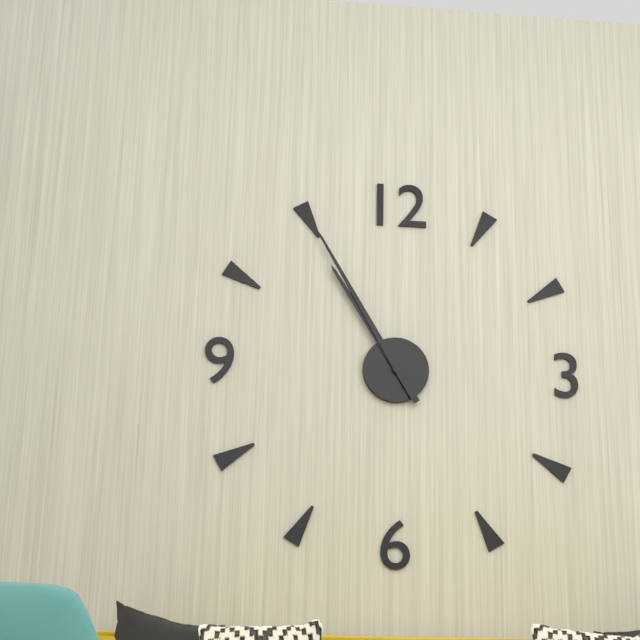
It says 10:55
